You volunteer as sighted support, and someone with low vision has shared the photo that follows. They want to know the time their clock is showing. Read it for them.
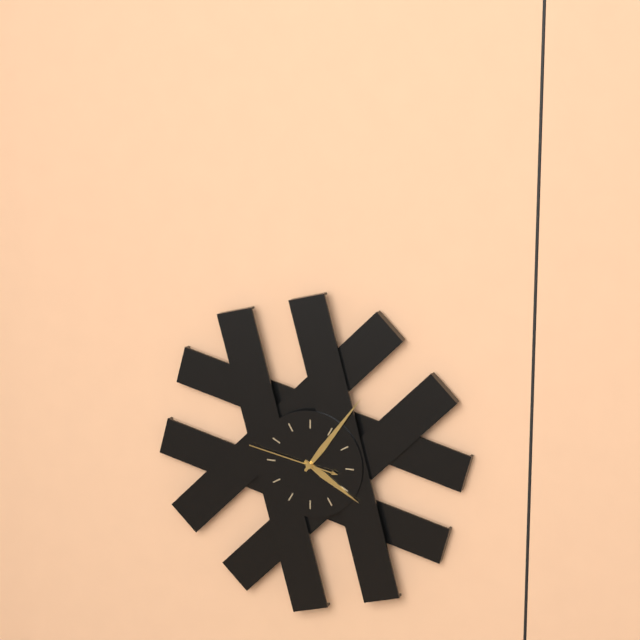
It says 4:06:47
